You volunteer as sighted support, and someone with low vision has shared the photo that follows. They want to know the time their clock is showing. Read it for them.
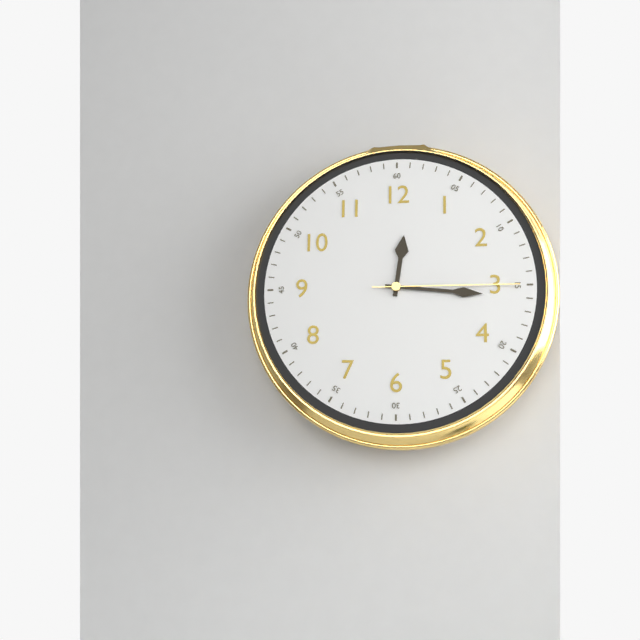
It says 12:16:15
